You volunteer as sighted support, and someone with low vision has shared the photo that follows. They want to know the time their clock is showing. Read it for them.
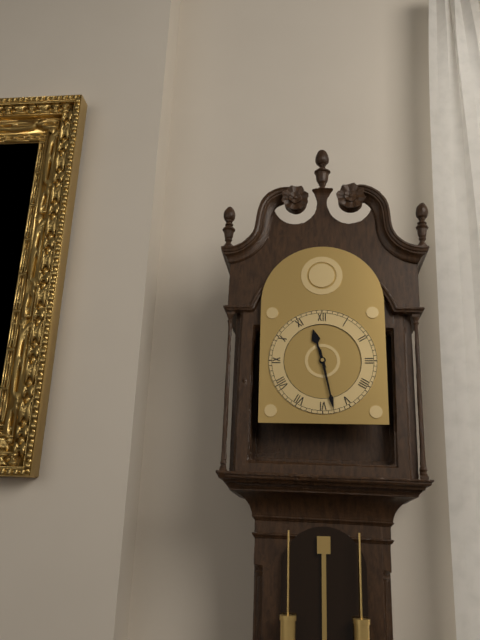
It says 11:28
